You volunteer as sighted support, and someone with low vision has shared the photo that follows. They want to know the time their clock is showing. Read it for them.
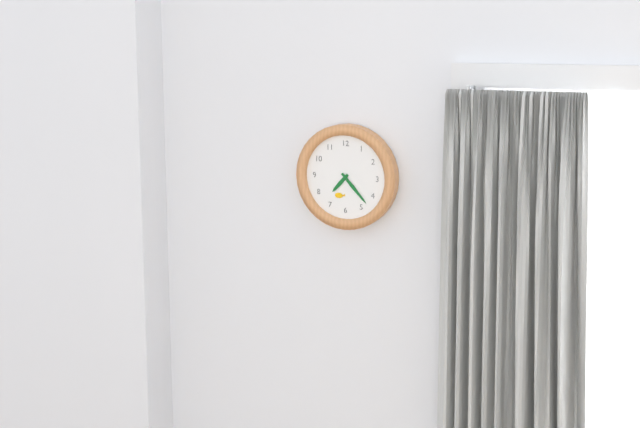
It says 7:23
